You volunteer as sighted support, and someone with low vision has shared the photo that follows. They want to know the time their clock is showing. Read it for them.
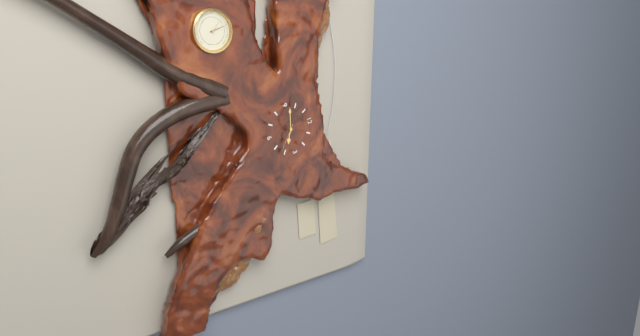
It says 3:47
